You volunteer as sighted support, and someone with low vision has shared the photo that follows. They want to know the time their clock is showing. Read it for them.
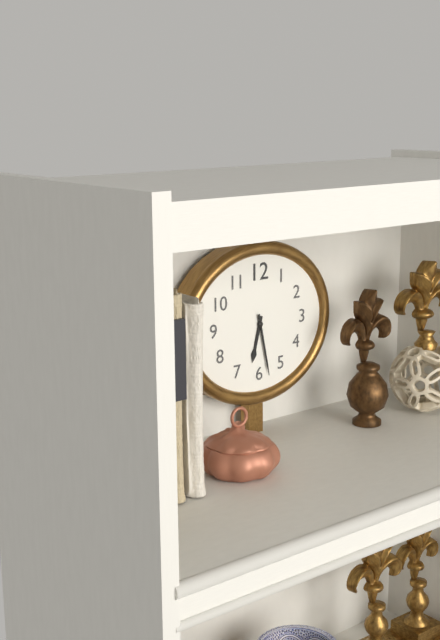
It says 6:28
